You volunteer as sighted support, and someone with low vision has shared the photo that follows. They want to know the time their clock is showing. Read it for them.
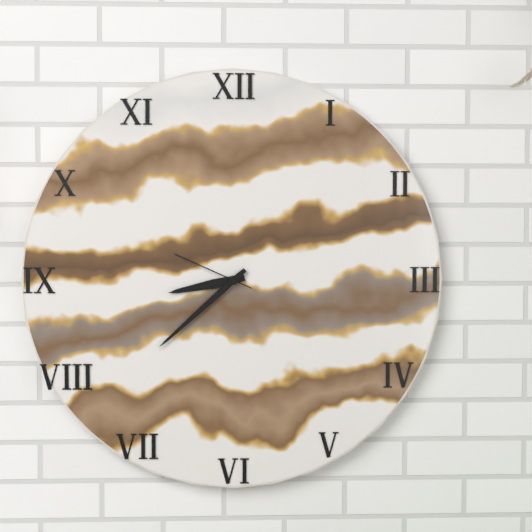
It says 8:38:49
